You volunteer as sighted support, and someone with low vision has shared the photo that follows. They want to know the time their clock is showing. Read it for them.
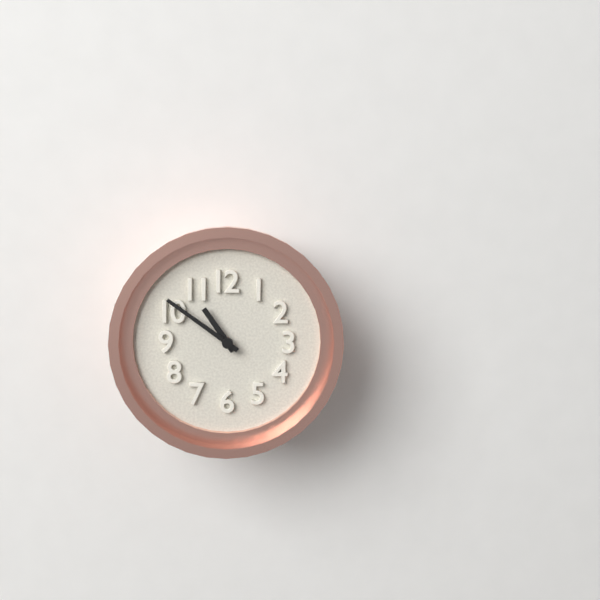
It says 10:51
